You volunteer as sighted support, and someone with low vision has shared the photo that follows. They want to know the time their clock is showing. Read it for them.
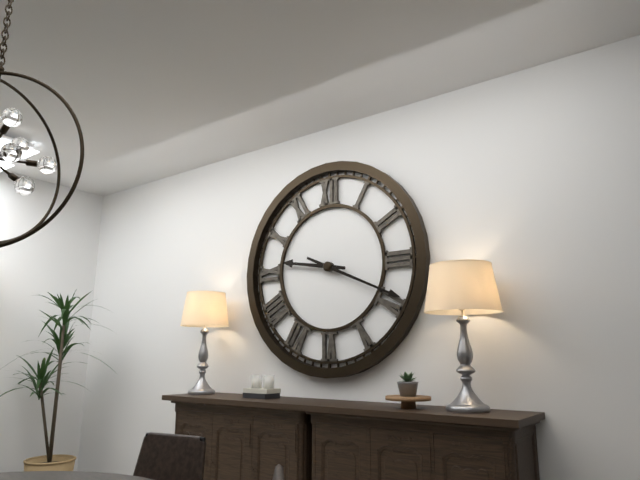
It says 9:19
